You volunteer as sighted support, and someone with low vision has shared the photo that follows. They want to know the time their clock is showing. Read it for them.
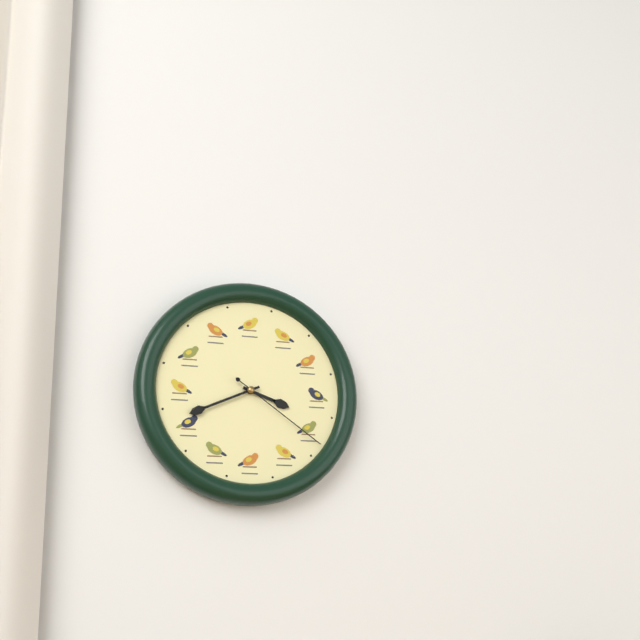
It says 3:41:21
